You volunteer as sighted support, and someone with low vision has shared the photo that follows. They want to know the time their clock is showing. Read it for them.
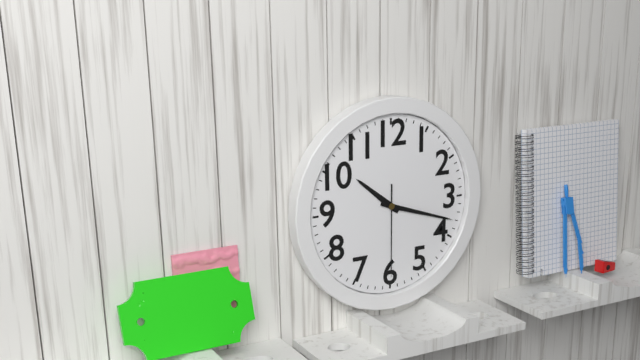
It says 10:18:30
